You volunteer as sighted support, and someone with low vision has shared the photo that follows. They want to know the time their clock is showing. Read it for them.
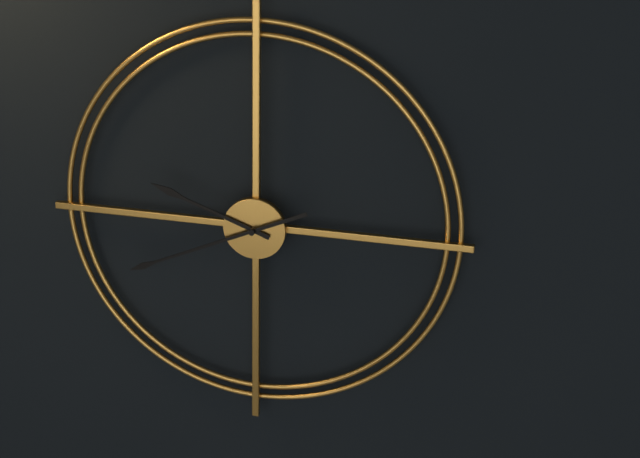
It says 9:41
